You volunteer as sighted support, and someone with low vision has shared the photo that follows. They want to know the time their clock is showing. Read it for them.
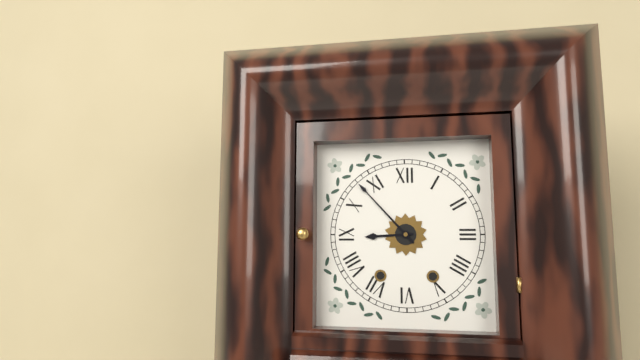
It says 8:53
